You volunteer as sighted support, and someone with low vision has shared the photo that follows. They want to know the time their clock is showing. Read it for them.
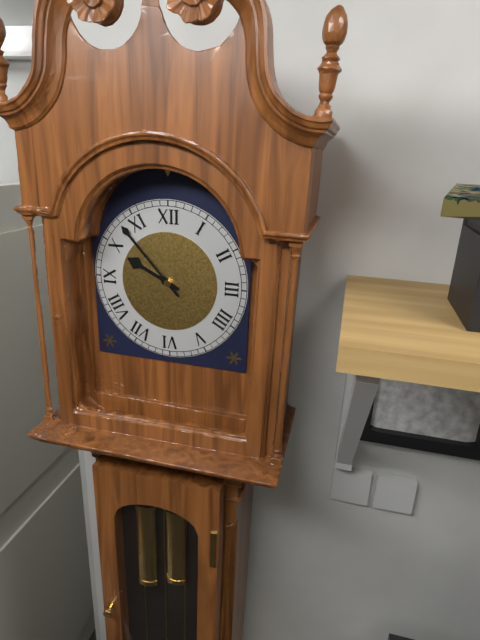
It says 9:53
